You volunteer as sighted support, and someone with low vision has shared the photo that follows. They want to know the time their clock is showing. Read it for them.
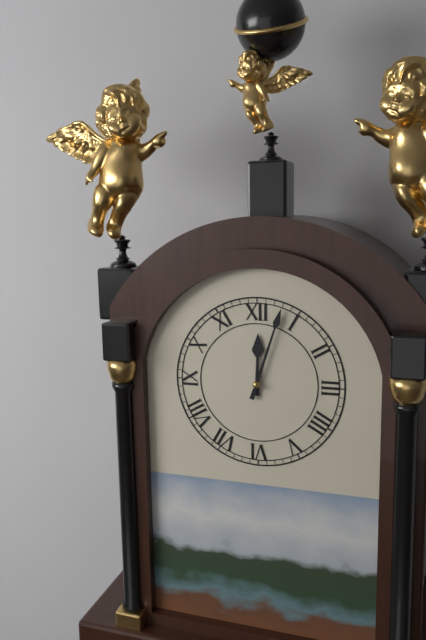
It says 12:03
